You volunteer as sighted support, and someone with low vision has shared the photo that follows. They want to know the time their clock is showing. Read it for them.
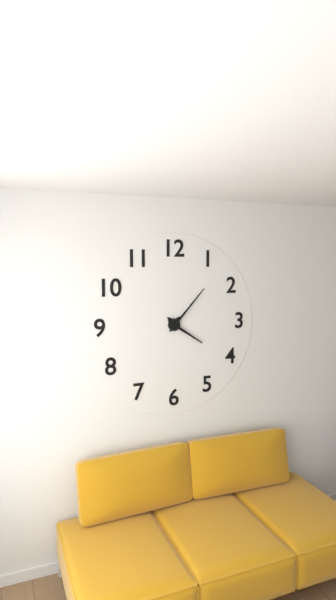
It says 4:07
